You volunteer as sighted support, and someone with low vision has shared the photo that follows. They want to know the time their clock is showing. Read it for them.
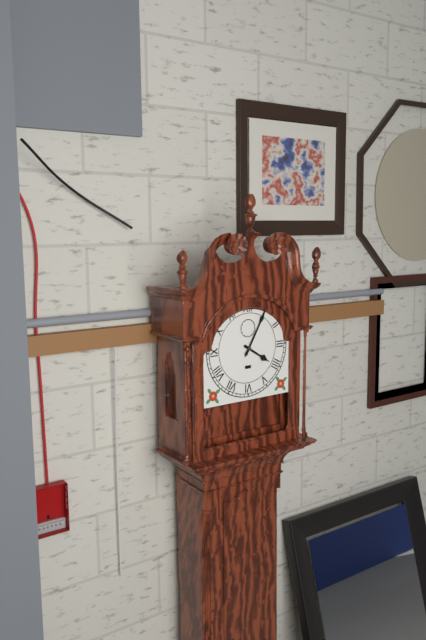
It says 4:05
